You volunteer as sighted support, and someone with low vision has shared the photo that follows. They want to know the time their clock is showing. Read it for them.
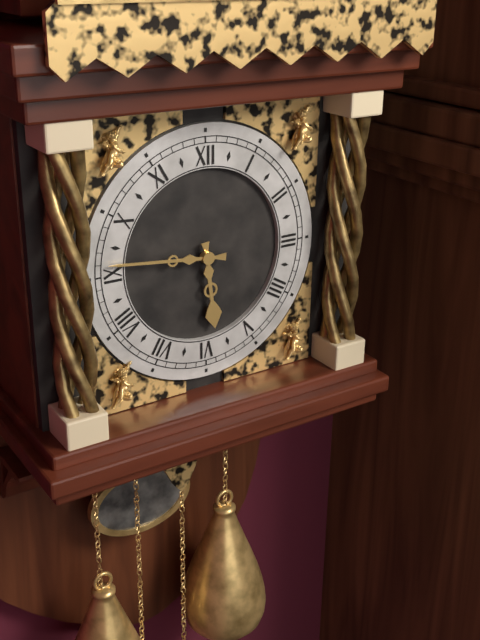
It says 5:46
